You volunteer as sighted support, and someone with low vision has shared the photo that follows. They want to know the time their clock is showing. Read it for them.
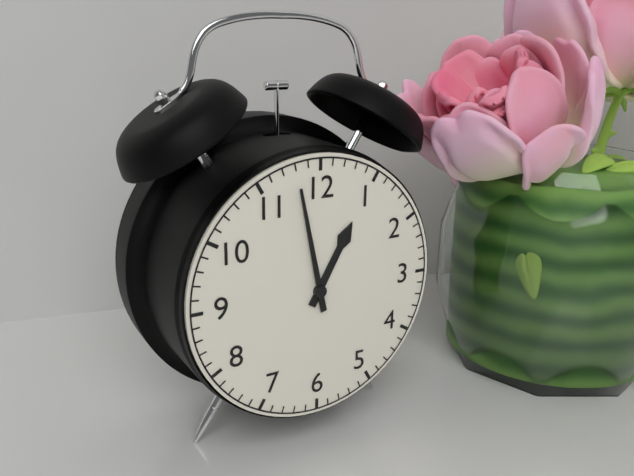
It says 12:58
